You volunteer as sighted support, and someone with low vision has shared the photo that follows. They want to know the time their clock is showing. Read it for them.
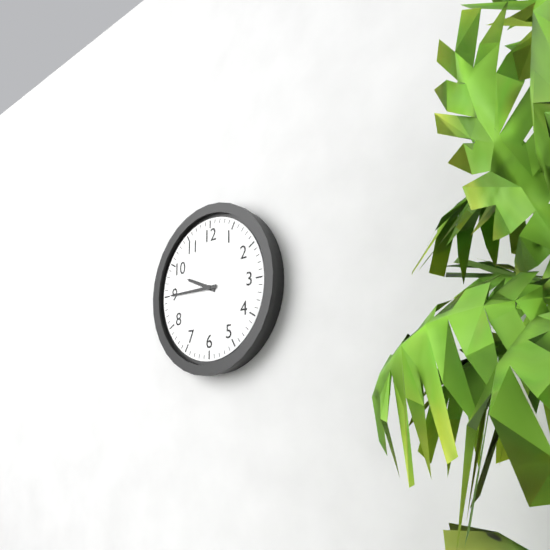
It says 9:45
